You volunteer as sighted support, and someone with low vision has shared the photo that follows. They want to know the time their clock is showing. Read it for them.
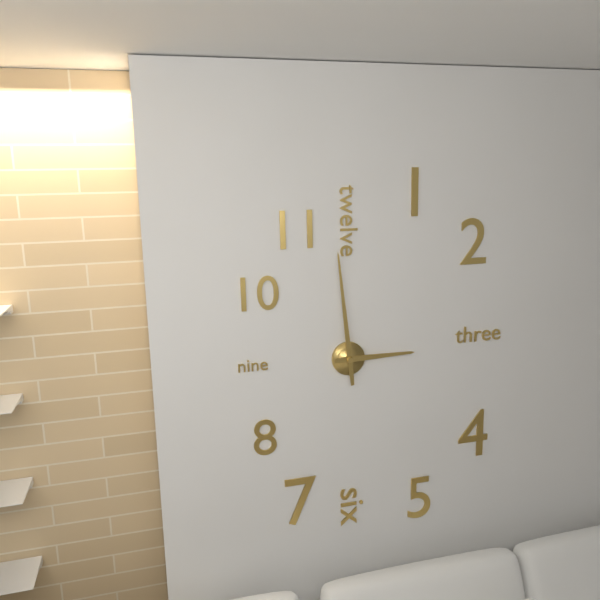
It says 2:59
